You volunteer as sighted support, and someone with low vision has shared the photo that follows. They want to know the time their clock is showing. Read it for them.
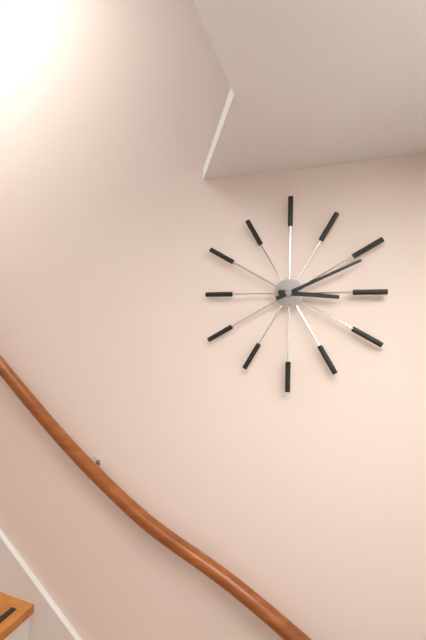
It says 3:11
